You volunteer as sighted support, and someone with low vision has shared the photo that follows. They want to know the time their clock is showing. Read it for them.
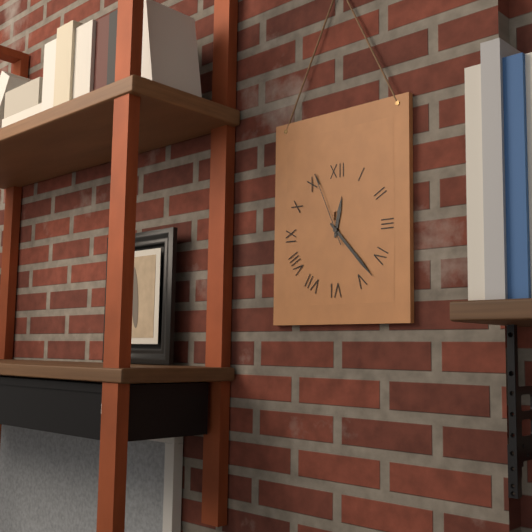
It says 12:23:56
